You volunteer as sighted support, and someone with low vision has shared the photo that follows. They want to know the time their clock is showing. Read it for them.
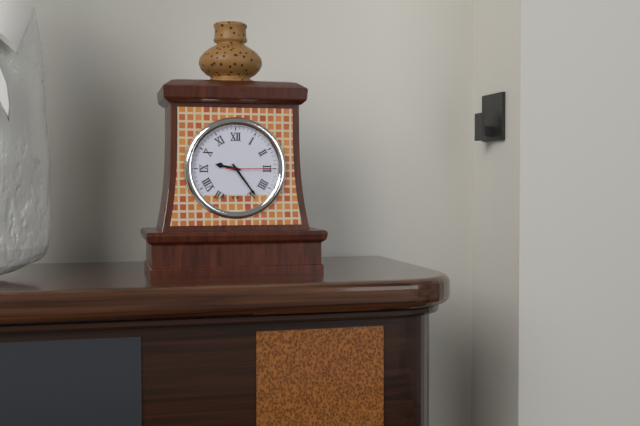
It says 9:24
